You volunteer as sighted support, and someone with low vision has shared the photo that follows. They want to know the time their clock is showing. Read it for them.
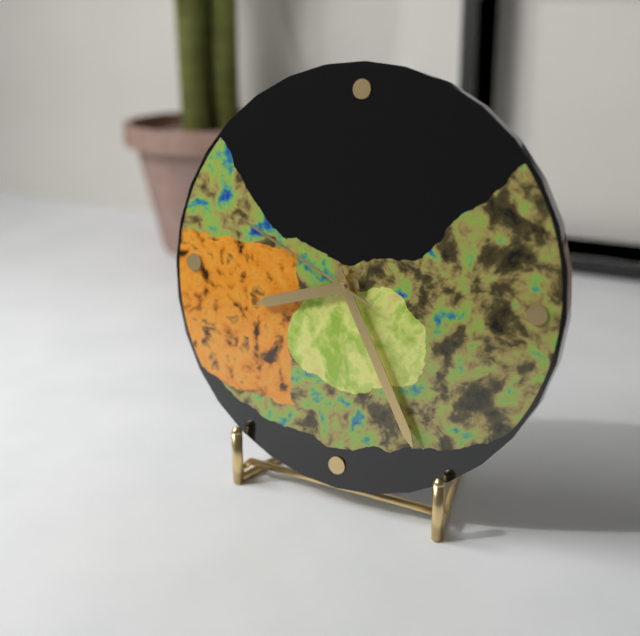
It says 8:25:49
